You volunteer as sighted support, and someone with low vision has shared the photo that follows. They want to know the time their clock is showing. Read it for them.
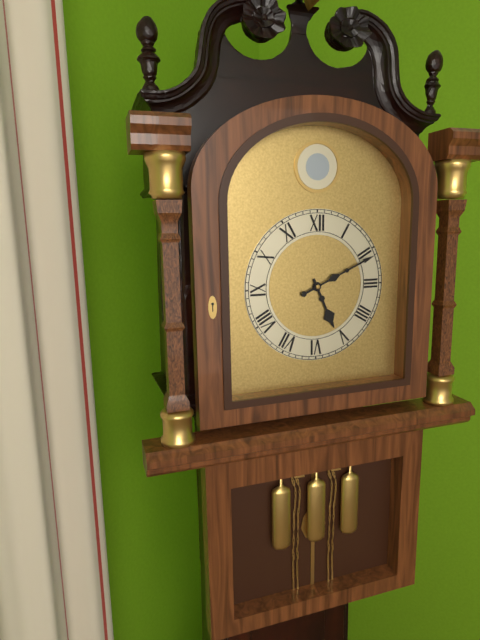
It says 5:11
